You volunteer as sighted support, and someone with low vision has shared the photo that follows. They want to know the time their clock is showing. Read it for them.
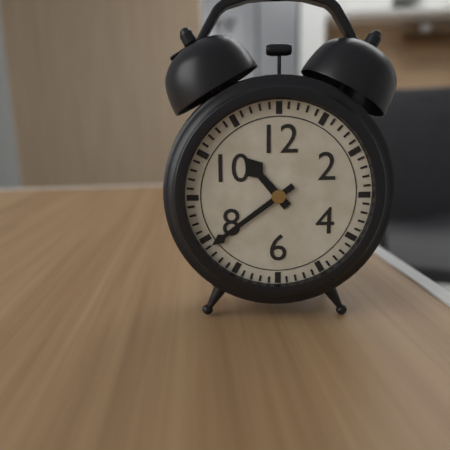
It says 10:39
